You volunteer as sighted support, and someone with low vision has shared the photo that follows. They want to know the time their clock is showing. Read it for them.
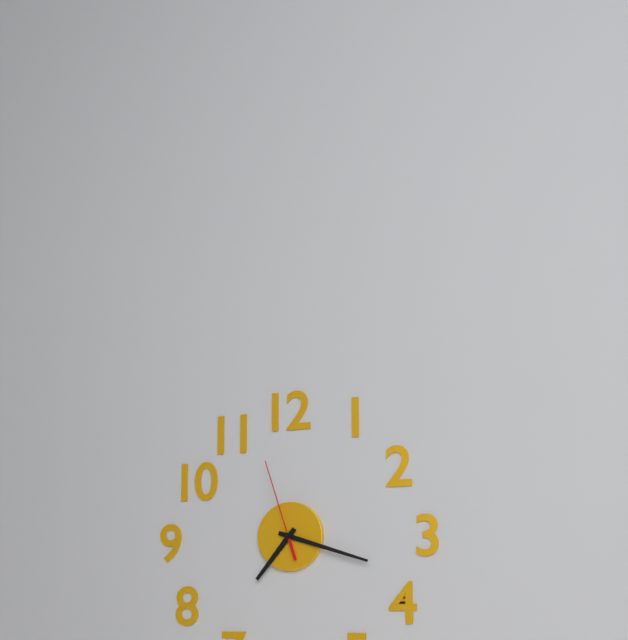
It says 7:18:57
